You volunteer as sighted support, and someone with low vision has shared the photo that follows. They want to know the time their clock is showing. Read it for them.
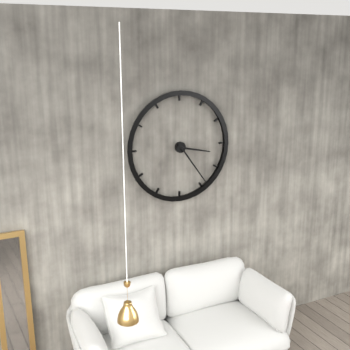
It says 3:24
